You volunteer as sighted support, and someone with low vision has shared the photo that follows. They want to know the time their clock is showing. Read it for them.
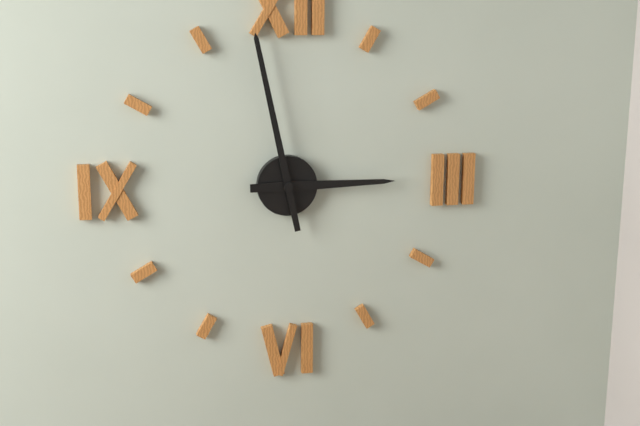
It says 2:58
